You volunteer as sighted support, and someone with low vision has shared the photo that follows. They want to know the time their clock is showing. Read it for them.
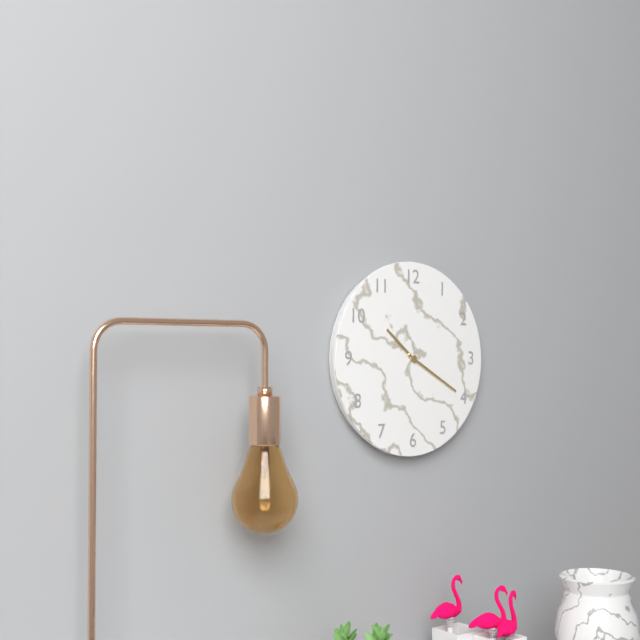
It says 10:20
